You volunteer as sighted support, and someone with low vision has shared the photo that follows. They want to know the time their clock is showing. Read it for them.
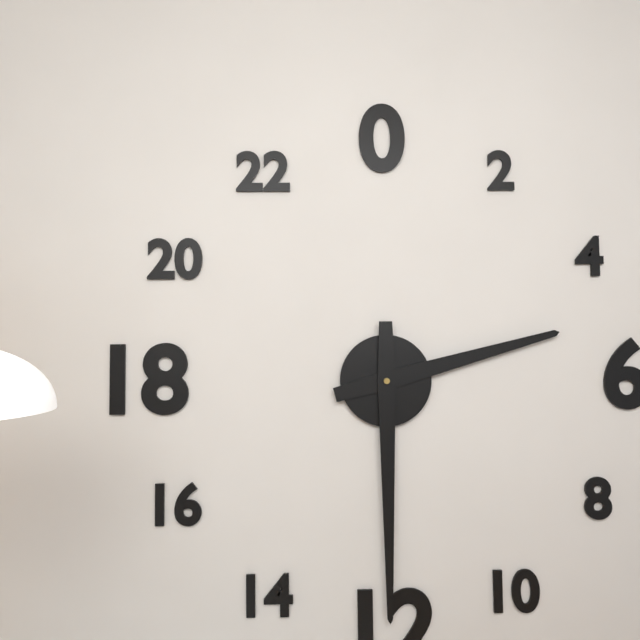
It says 2:30
